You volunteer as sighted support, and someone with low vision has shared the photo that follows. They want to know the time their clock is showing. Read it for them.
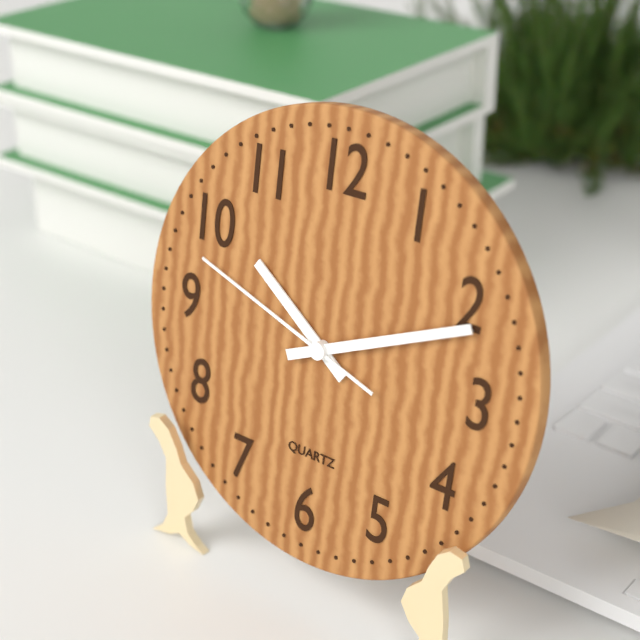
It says 10:11:48
